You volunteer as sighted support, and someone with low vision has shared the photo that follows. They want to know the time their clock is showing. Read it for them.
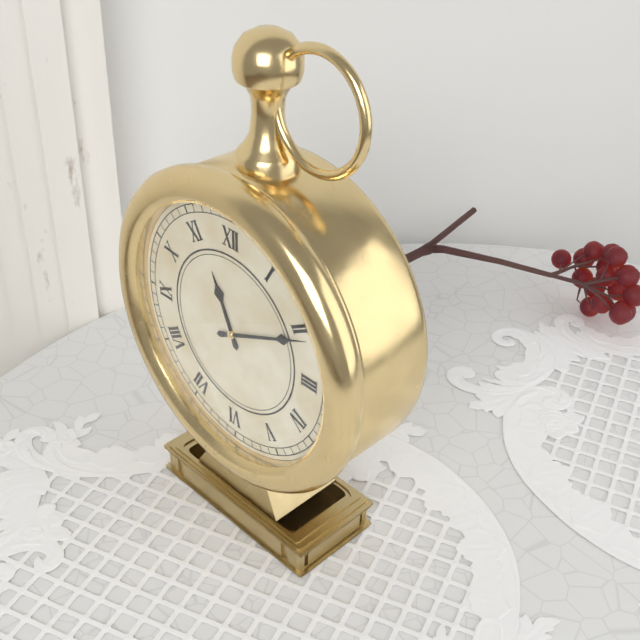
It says 11:11
